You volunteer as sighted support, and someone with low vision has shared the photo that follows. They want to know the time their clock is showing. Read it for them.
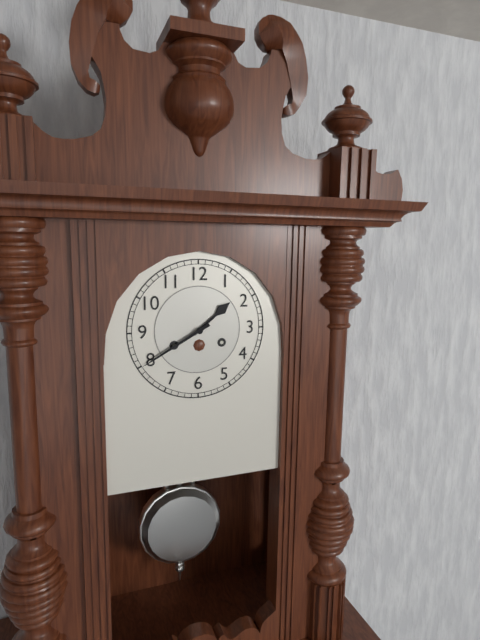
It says 1:40
